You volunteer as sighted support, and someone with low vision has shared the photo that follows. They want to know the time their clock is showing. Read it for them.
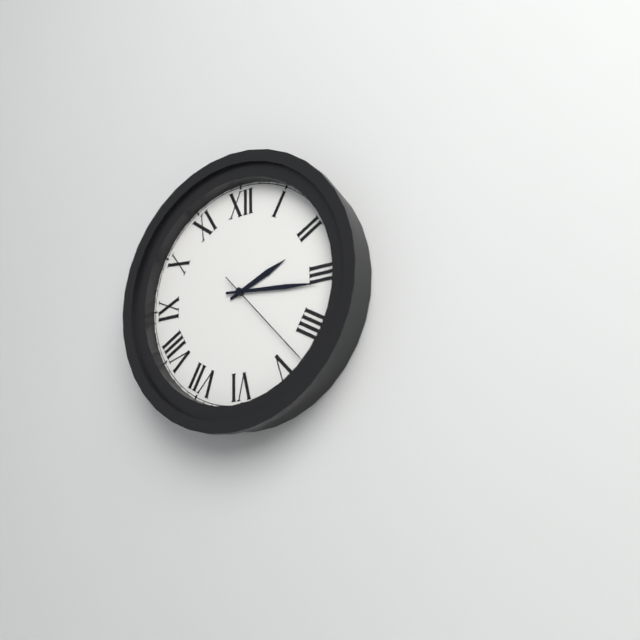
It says 2:16:23
